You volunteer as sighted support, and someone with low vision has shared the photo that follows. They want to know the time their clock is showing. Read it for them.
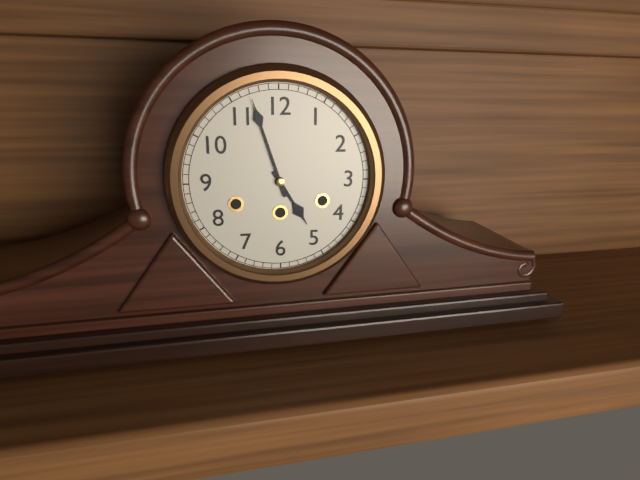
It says 4:57
